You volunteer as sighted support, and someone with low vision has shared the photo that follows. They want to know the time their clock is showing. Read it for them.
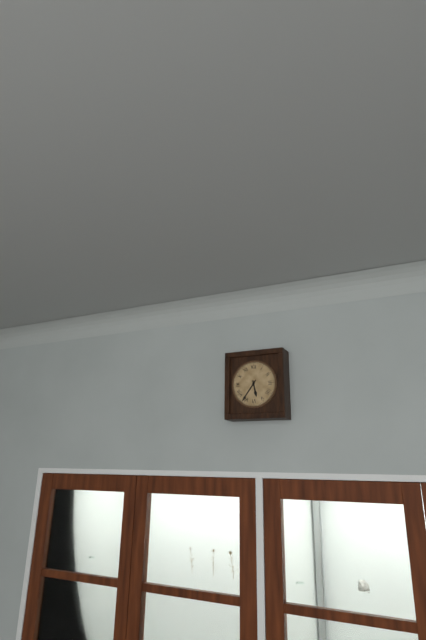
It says 5:36
